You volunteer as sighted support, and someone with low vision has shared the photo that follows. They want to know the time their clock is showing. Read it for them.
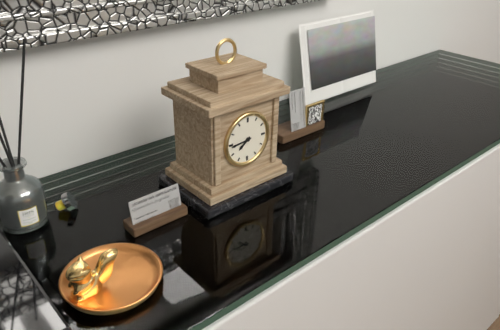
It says 7:44
